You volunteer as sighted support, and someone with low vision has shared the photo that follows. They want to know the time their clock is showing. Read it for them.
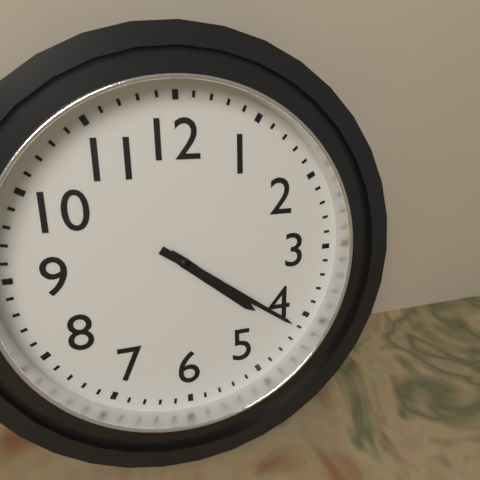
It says 4:21
